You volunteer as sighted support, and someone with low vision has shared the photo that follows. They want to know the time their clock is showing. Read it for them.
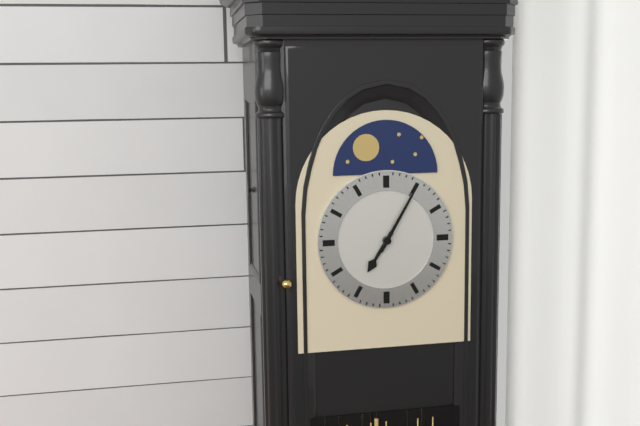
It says 7:05
